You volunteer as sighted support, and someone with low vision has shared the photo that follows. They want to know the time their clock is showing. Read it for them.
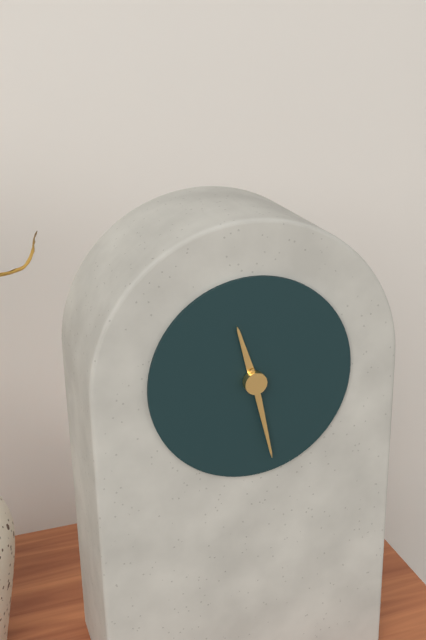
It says 11:28
